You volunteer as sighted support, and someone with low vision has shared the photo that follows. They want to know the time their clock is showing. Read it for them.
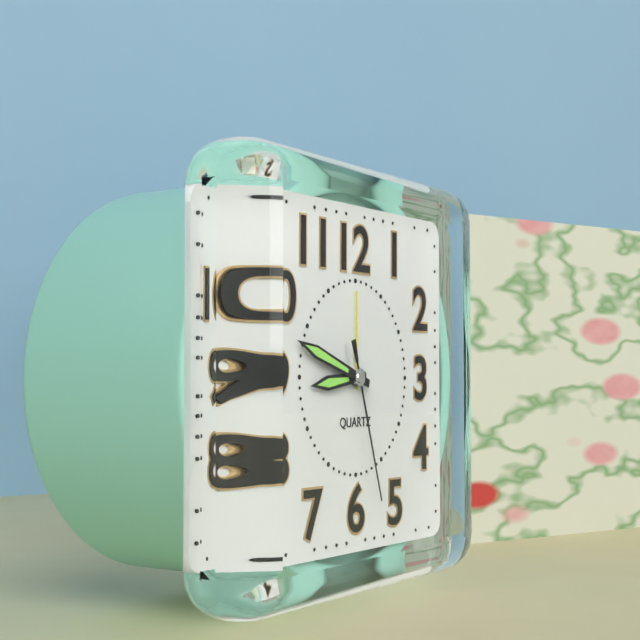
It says 8:48:27
